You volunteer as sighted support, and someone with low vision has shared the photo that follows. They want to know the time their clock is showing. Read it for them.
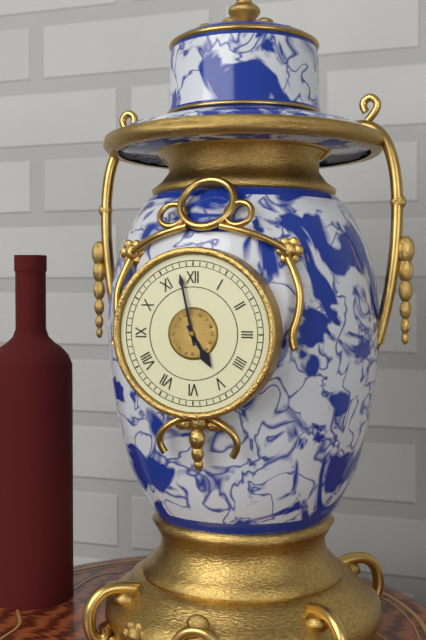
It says 4:58
